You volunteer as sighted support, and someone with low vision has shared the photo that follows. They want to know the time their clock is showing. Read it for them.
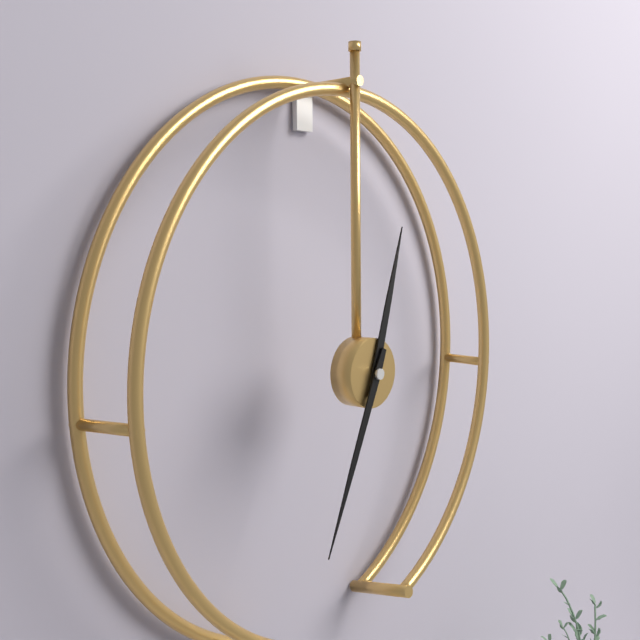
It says 12:34
